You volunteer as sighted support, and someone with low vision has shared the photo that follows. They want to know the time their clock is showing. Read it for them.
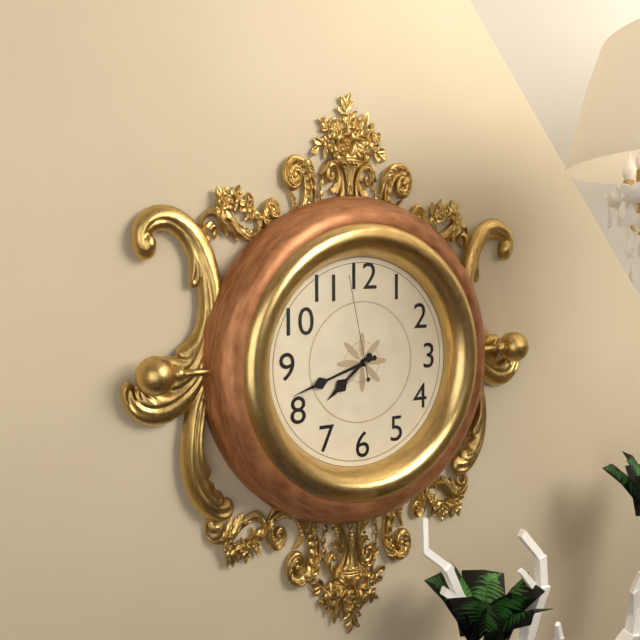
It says 7:42:58
